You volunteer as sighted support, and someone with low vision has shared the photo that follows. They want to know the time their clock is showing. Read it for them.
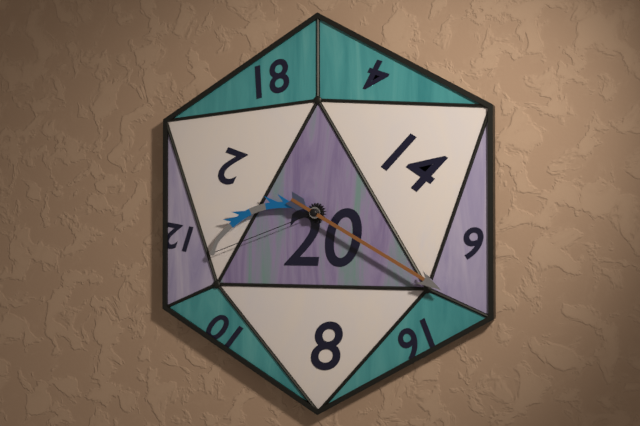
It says 8:20
